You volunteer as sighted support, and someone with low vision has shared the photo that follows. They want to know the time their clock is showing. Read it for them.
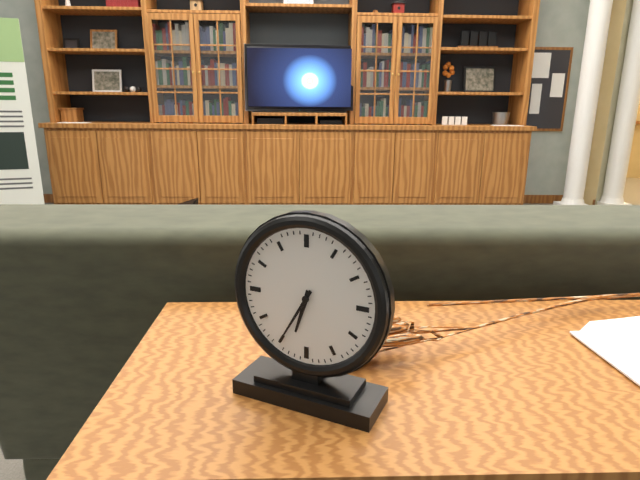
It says 6:35
